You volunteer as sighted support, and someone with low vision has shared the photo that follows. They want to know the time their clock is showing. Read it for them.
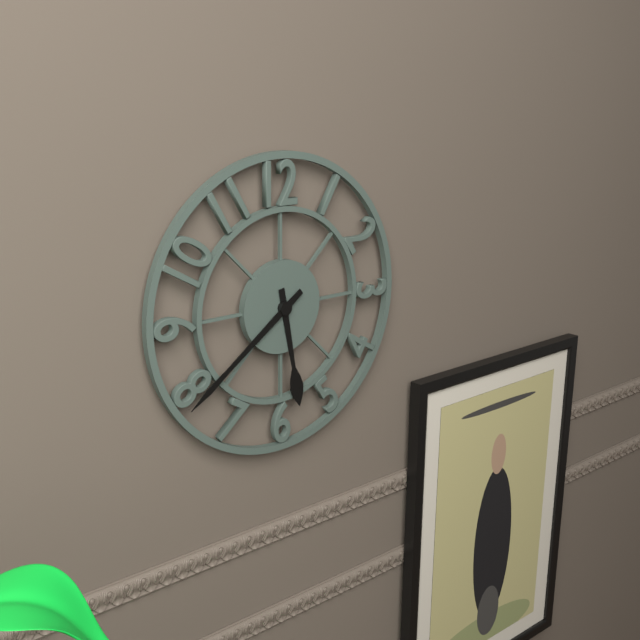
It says 5:39
